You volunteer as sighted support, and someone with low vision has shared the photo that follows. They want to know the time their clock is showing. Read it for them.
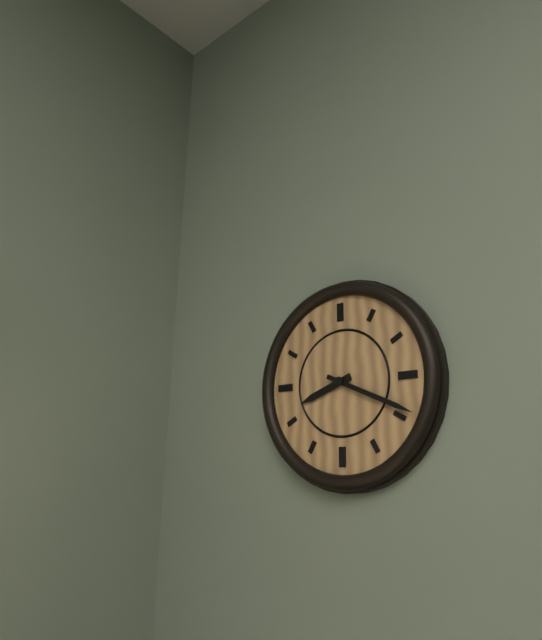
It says 8:19
